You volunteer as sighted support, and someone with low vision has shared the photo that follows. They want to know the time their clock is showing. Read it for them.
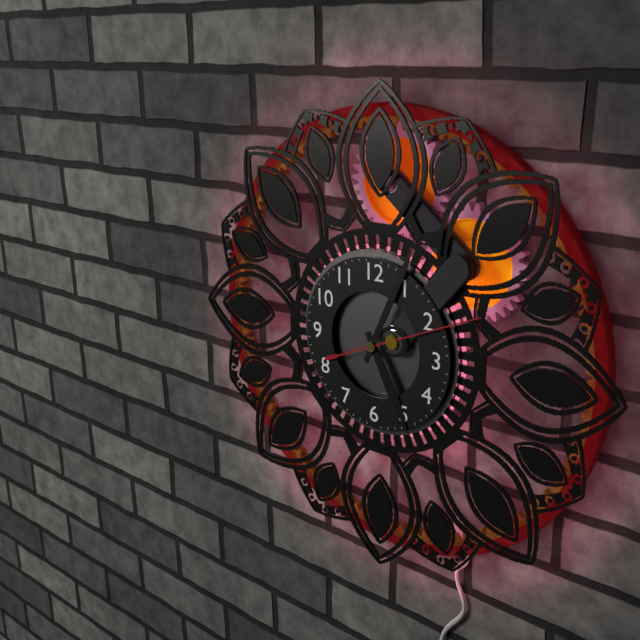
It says 5:04:11
